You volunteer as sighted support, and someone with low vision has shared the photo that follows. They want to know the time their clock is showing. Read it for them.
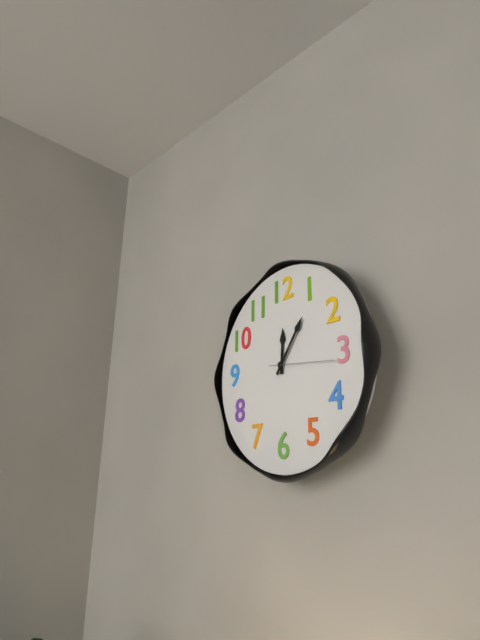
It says 12:06:16
